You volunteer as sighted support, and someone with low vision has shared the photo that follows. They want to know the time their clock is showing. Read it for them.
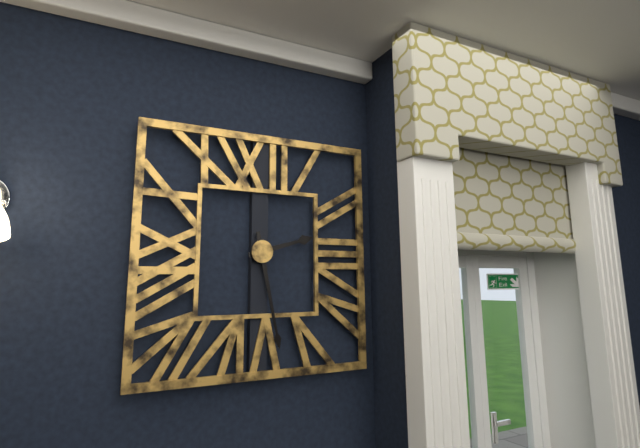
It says 2:28
